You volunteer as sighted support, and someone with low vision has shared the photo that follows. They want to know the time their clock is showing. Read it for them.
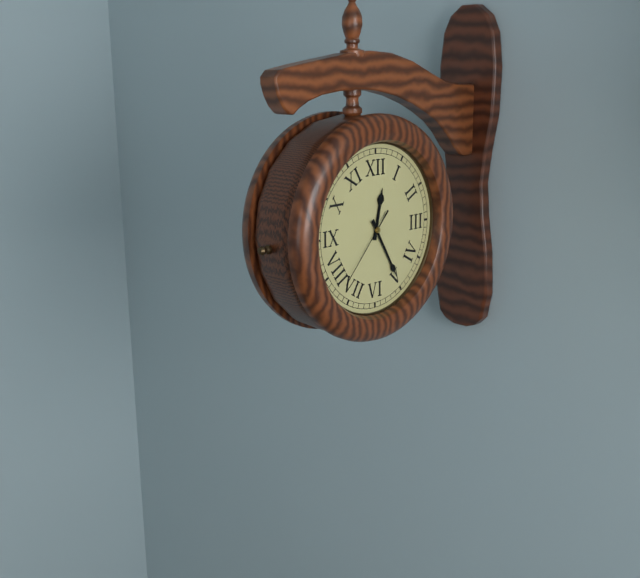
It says 12:25:37
